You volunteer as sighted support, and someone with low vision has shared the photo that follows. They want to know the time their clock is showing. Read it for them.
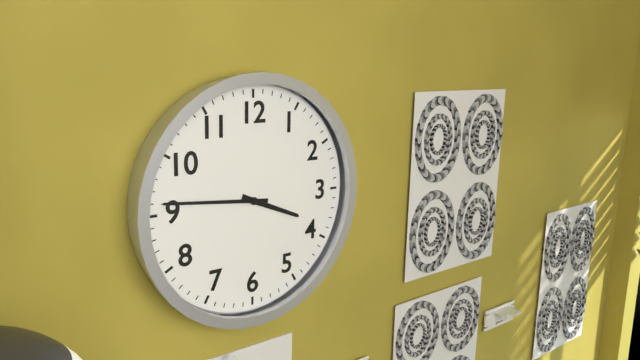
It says 3:46
